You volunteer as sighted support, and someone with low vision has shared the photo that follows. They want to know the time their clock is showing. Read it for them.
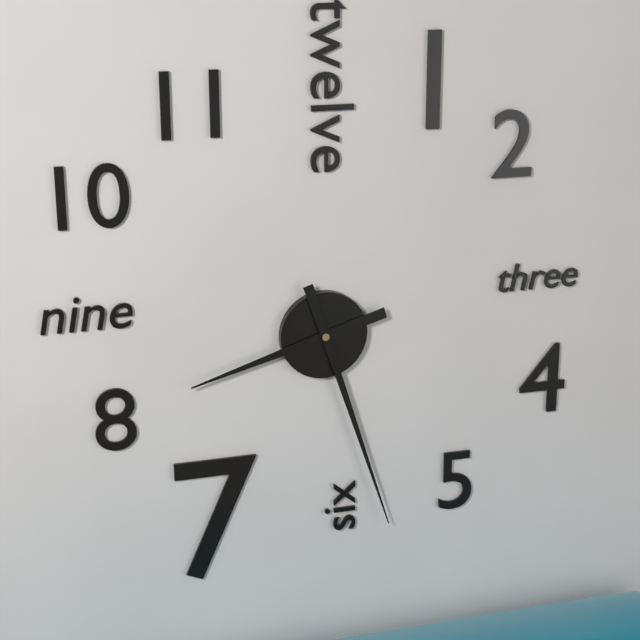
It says 8:27
